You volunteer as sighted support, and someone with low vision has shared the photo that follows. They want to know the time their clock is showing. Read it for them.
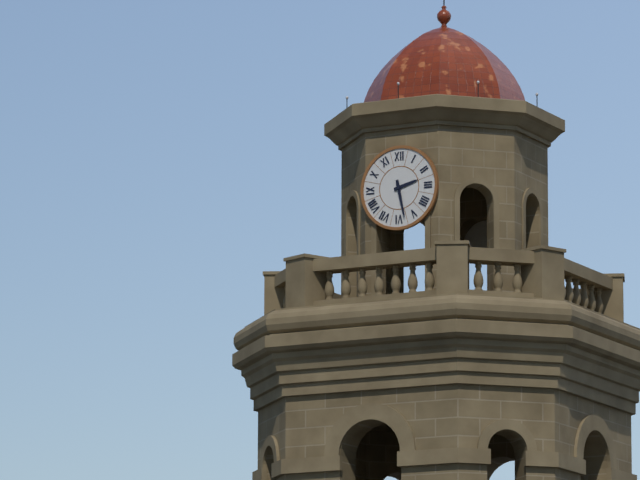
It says 2:28
